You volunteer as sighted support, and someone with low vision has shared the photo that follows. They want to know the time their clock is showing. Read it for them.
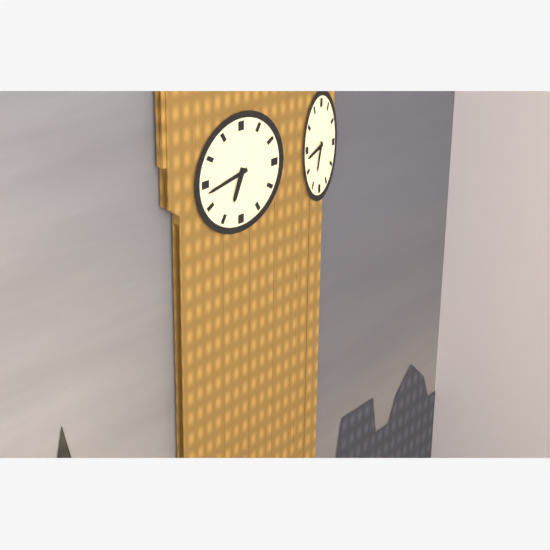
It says 6:43
